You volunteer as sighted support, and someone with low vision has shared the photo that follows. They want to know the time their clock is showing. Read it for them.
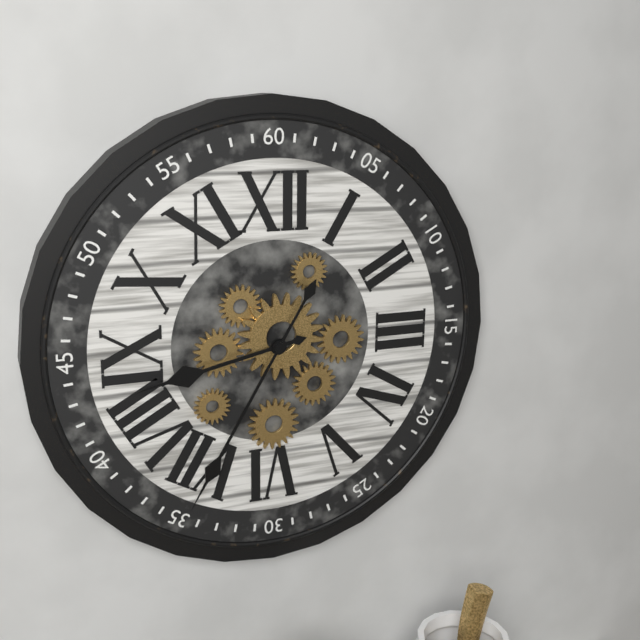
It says 8:35
